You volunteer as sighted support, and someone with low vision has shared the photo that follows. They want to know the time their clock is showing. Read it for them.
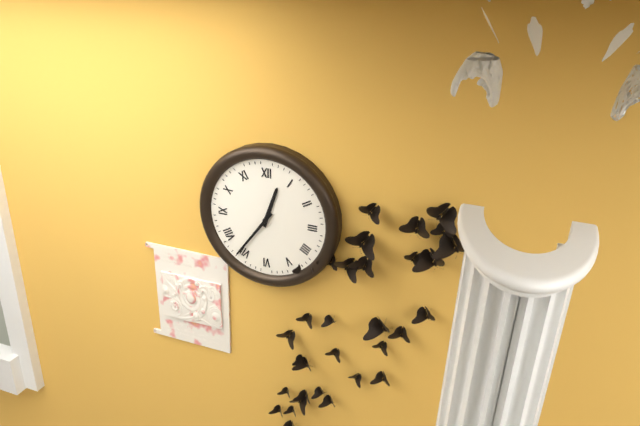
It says 12:36
